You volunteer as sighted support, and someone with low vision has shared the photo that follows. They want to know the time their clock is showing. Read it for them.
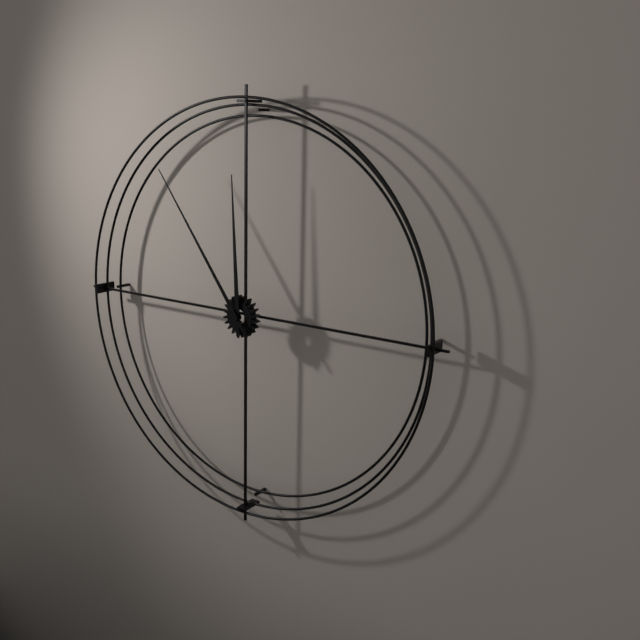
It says 11:54
